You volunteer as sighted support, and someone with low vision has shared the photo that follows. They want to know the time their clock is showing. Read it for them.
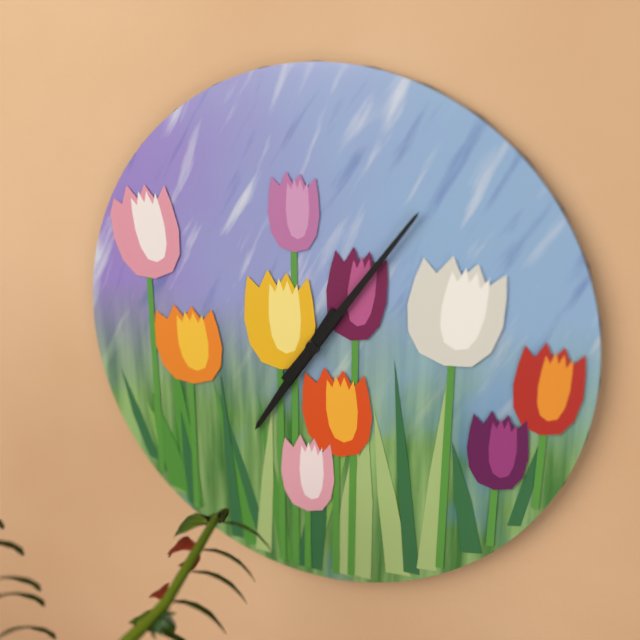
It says 7:06
